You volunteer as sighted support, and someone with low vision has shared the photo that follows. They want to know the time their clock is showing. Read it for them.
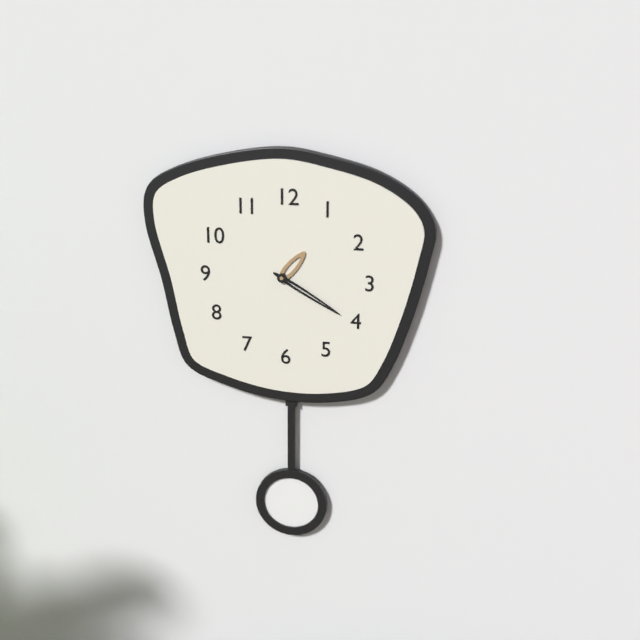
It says 1:20
